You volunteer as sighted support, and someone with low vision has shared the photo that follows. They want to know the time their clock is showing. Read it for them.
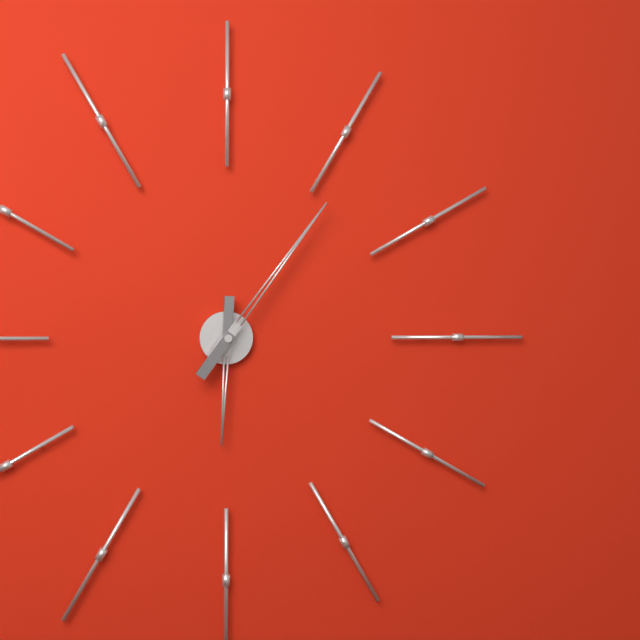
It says 6:06
